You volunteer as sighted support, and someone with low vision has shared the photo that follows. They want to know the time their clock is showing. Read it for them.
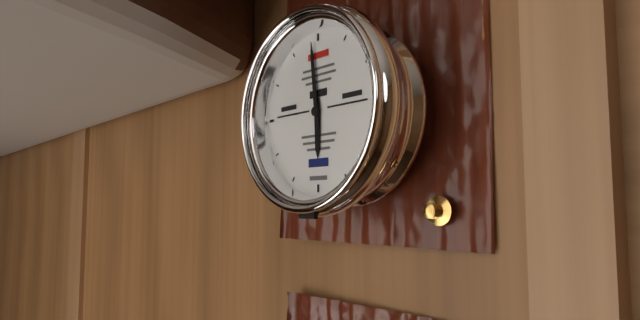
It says 5:59
